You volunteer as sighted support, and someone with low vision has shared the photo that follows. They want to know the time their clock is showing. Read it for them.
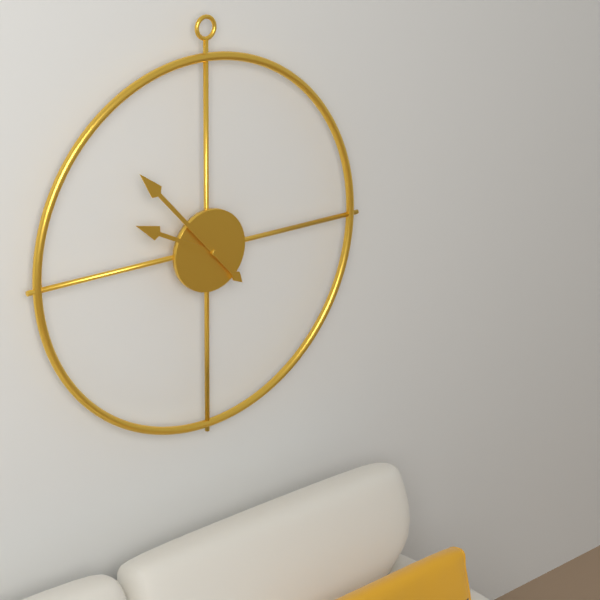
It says 9:53
